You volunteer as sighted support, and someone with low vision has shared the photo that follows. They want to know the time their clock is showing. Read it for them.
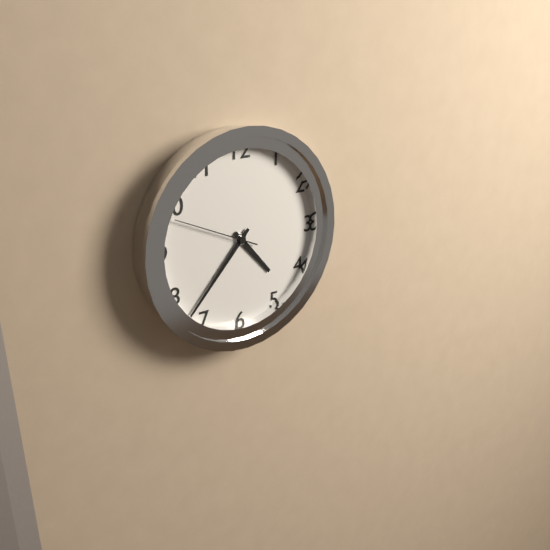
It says 4:37:49
